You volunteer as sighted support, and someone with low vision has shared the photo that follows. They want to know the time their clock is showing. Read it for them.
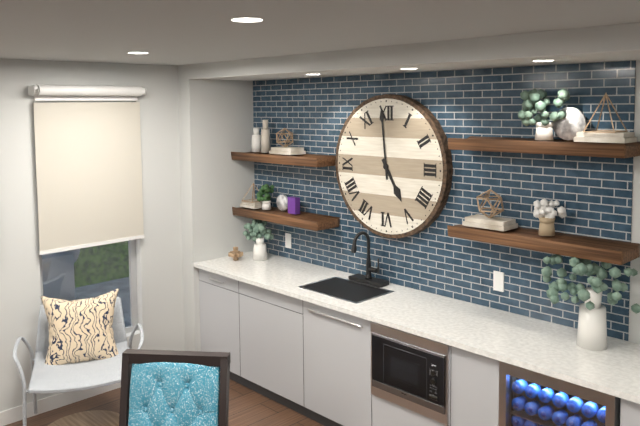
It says 4:59
